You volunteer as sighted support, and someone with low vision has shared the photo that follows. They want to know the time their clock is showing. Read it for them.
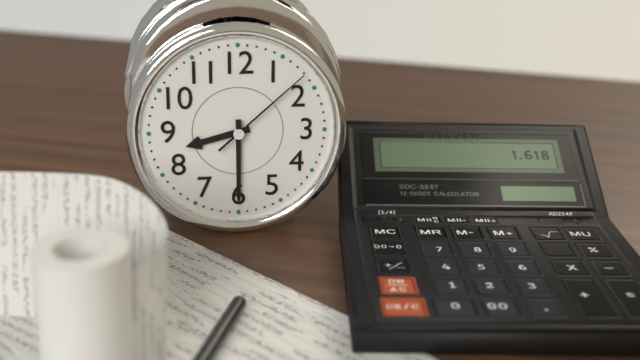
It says 8:30:08
